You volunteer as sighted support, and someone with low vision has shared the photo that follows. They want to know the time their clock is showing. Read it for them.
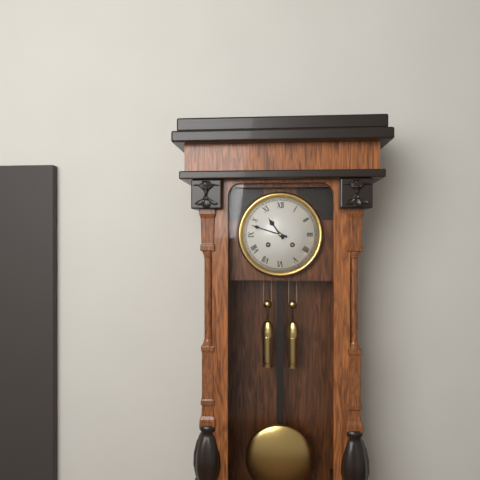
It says 10:48
